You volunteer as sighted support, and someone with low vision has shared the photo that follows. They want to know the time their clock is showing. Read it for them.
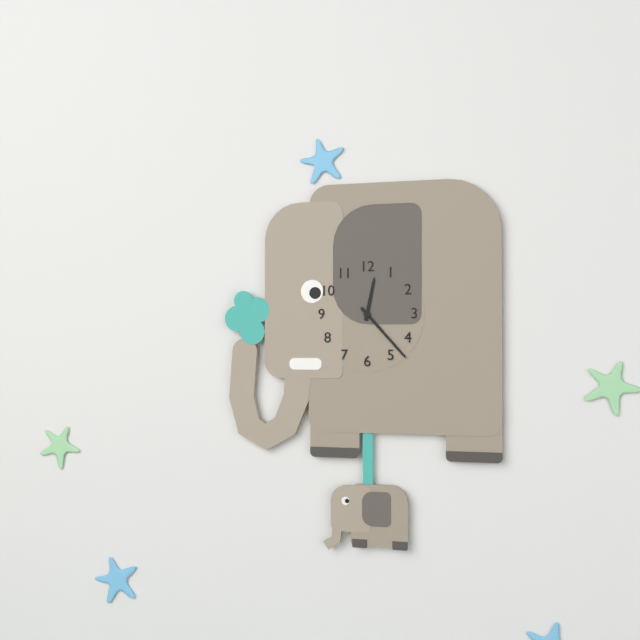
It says 12:23
